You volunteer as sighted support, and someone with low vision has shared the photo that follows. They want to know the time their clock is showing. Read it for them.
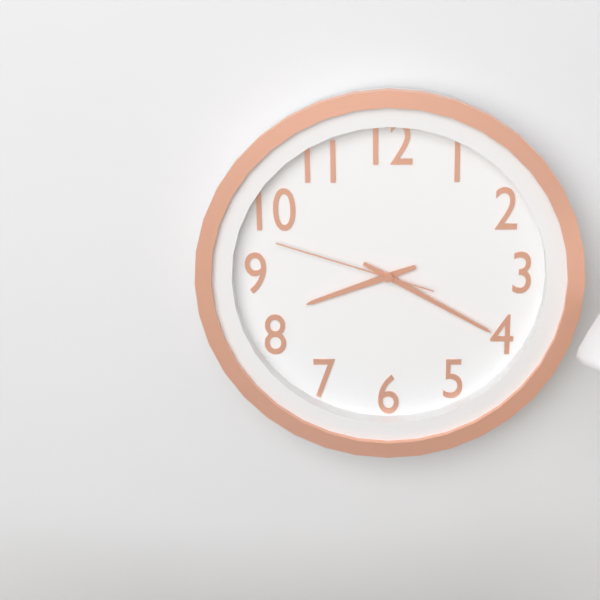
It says 8:20:48
